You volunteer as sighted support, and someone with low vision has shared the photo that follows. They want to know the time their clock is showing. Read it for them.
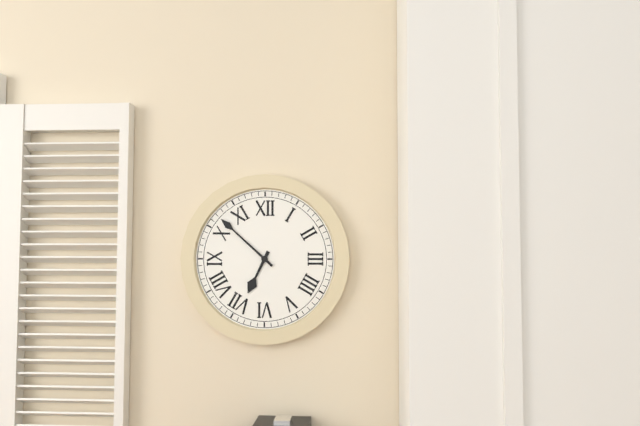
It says 6:52
